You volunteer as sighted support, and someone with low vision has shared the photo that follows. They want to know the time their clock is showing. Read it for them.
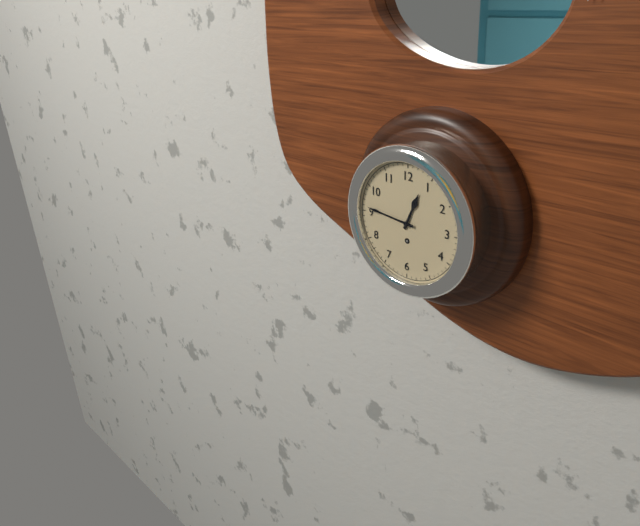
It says 12:46
